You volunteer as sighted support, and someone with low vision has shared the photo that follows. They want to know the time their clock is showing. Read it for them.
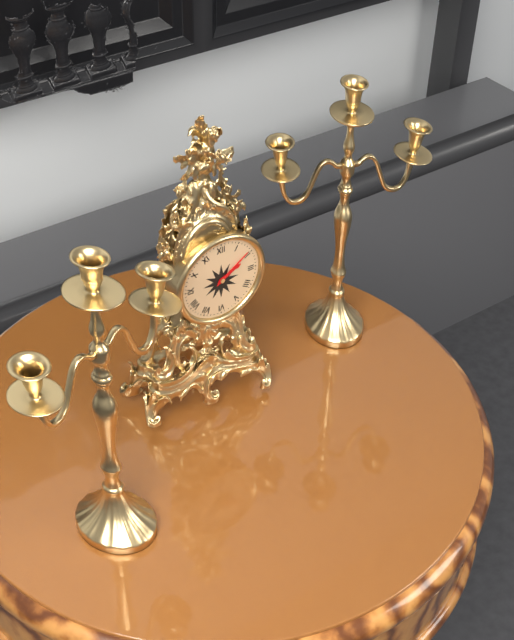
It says 2:09
